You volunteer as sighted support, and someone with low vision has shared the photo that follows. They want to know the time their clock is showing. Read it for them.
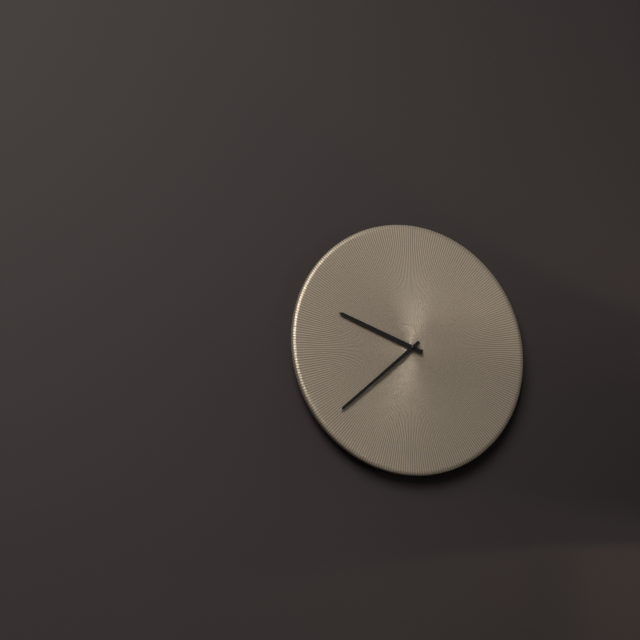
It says 9:38
